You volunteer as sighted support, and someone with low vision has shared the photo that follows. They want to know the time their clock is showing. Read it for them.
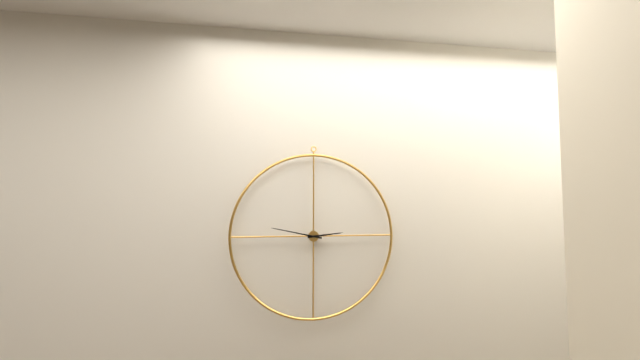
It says 2:47
